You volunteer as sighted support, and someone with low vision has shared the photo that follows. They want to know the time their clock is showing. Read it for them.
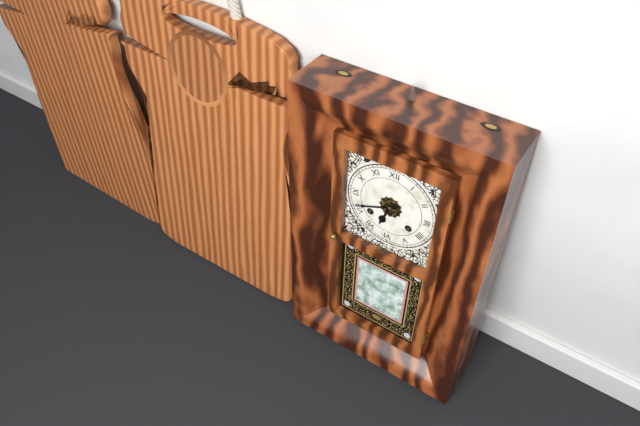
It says 6:41
